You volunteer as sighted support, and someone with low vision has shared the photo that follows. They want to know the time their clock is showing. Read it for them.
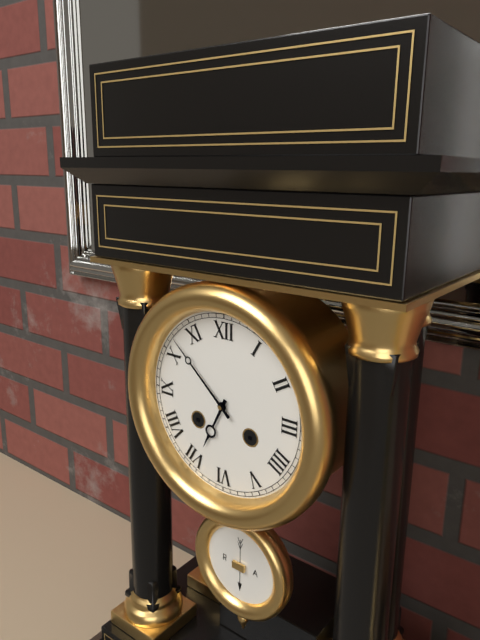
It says 6:52
